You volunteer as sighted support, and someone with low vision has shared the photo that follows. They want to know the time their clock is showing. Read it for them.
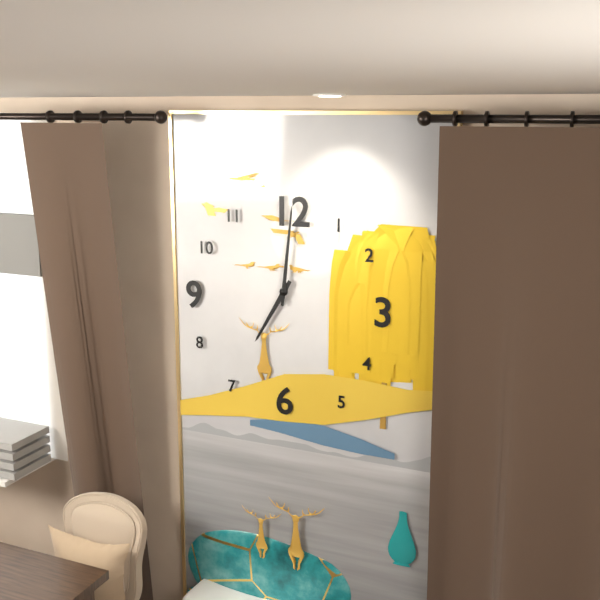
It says 7:01
